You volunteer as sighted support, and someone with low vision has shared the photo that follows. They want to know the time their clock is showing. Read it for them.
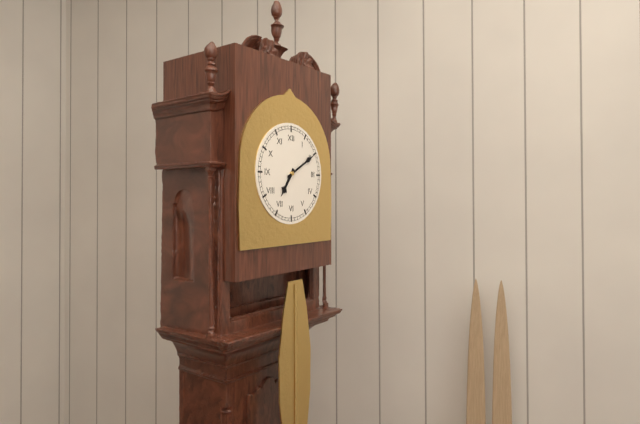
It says 7:10
